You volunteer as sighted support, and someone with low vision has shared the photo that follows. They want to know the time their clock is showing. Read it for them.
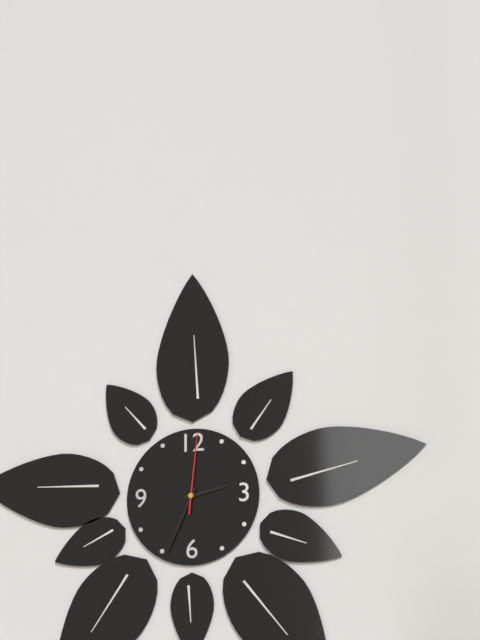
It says 2:34:01
